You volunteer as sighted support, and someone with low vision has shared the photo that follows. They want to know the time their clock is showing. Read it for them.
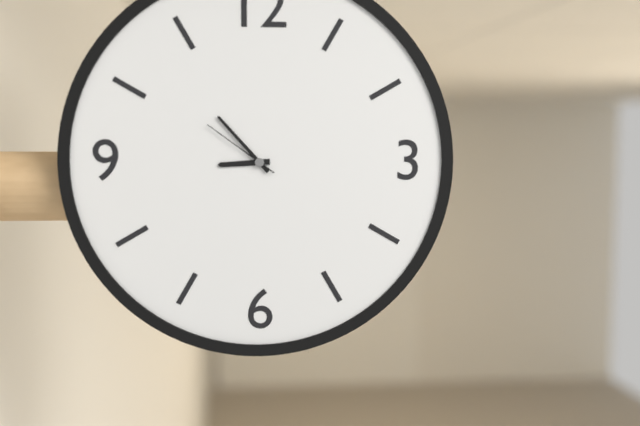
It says 8:53:51
